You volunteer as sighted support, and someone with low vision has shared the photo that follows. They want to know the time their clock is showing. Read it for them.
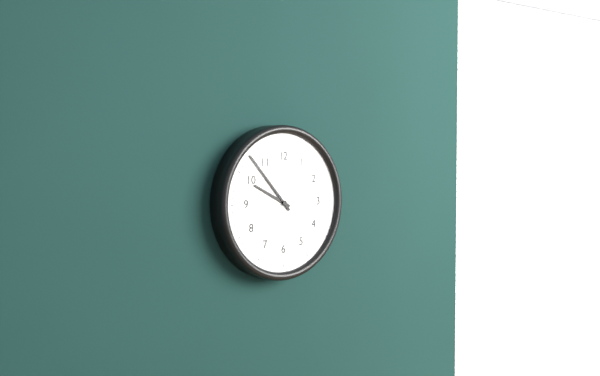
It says 9:53
